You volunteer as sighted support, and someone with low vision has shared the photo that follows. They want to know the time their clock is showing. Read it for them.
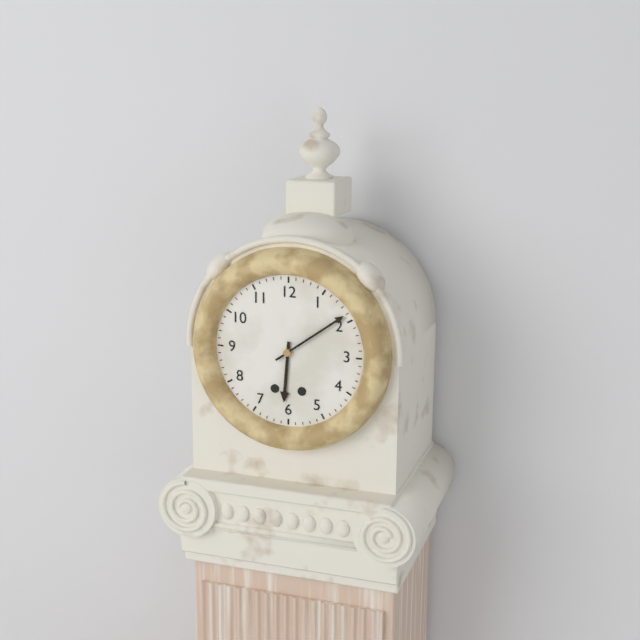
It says 6:09
